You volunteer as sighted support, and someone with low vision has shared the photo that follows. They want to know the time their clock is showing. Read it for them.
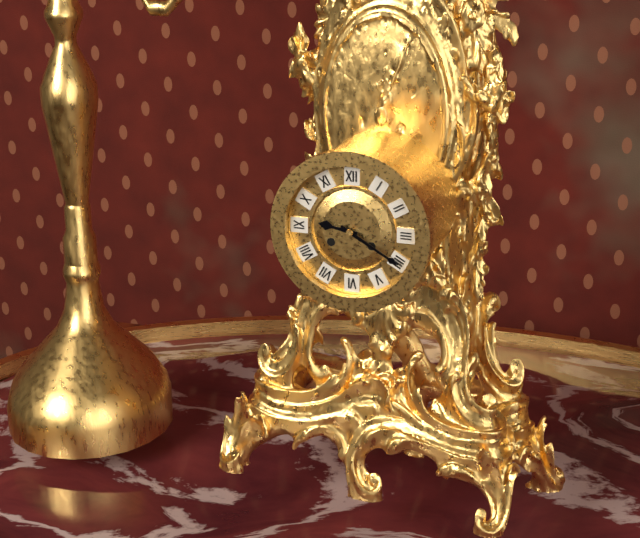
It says 9:20
